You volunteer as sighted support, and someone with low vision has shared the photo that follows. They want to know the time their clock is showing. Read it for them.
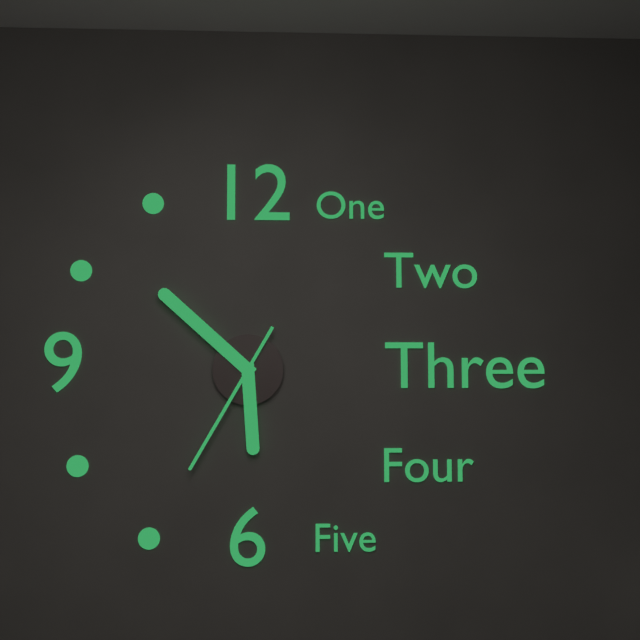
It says 5:52:35
